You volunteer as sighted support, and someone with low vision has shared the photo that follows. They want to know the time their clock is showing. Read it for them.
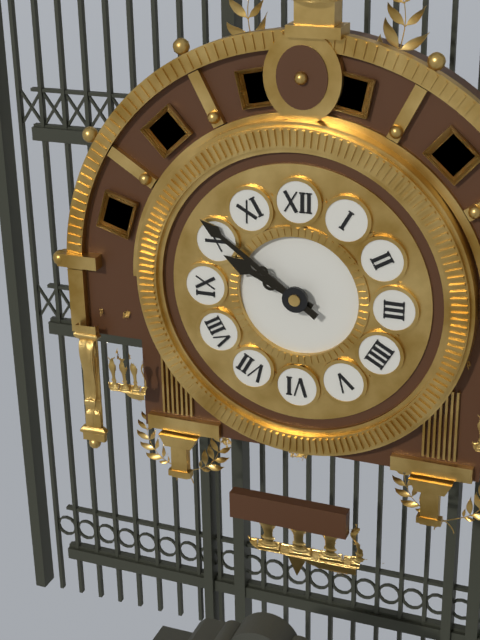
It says 9:51
